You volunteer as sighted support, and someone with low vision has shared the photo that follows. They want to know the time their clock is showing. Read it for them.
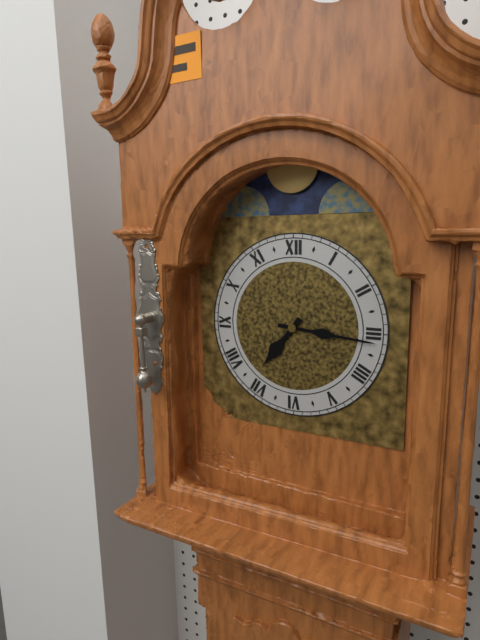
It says 7:16
